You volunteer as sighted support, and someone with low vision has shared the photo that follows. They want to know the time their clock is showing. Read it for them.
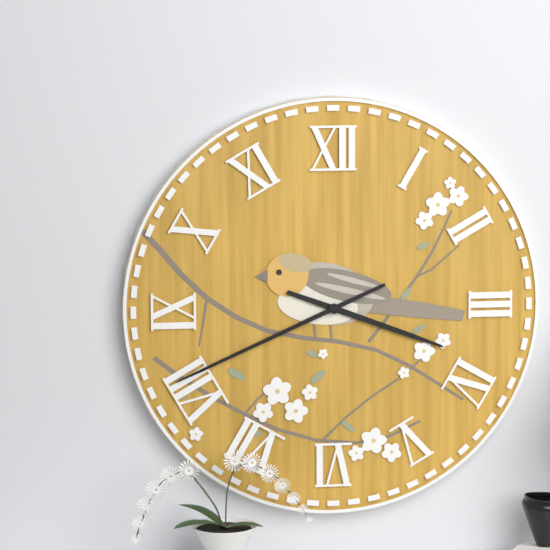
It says 3:41
